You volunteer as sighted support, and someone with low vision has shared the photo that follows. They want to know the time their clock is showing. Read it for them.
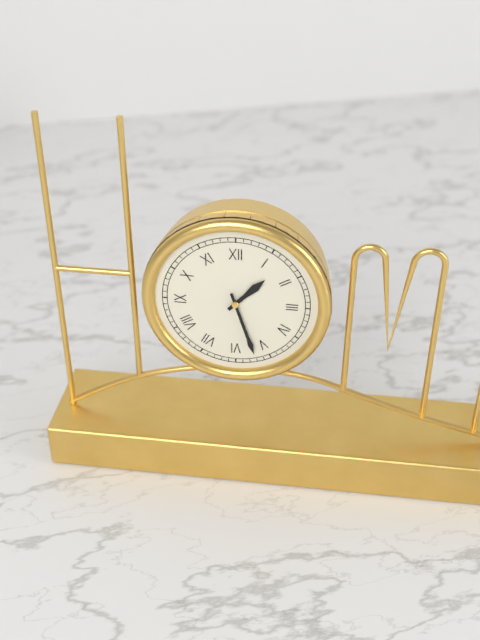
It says 1:27
